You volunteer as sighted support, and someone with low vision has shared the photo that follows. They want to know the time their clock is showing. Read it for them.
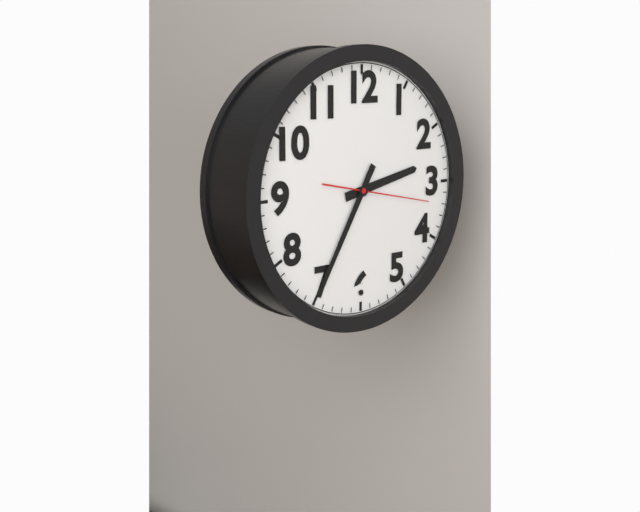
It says 2:35:17
